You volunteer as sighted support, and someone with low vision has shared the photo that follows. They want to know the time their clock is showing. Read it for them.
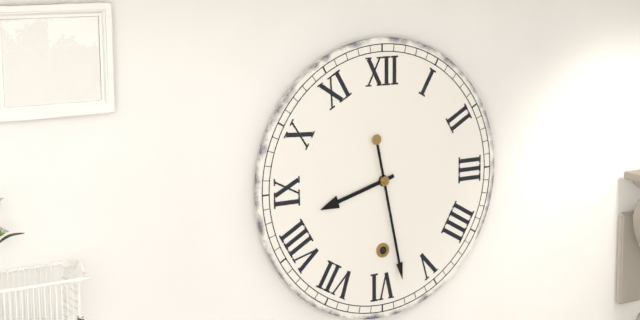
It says 8:28
